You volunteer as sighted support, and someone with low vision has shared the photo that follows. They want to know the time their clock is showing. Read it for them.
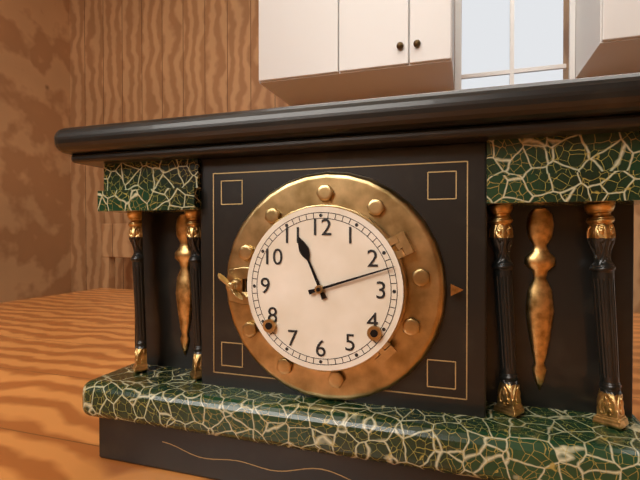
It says 11:12
